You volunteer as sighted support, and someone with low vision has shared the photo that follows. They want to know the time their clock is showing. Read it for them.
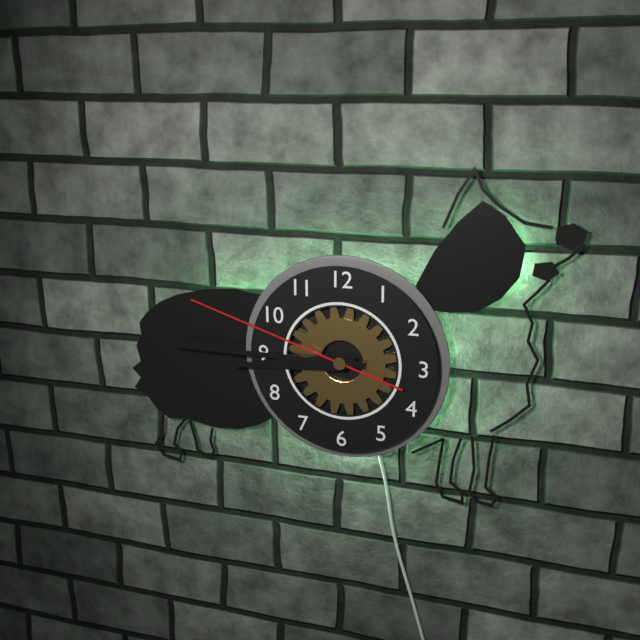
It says 8:45:48
